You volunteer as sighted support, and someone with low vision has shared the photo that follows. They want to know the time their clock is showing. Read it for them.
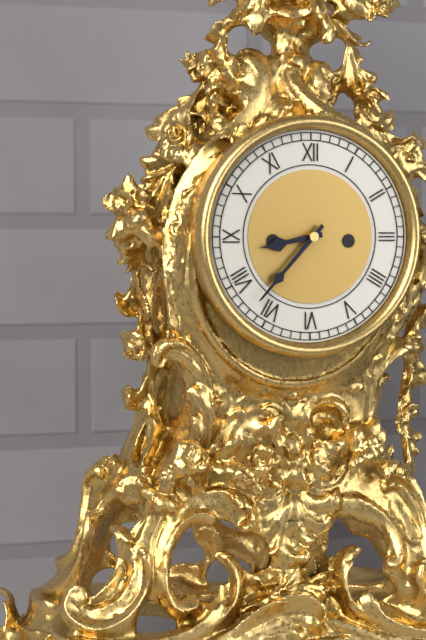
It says 8:37
